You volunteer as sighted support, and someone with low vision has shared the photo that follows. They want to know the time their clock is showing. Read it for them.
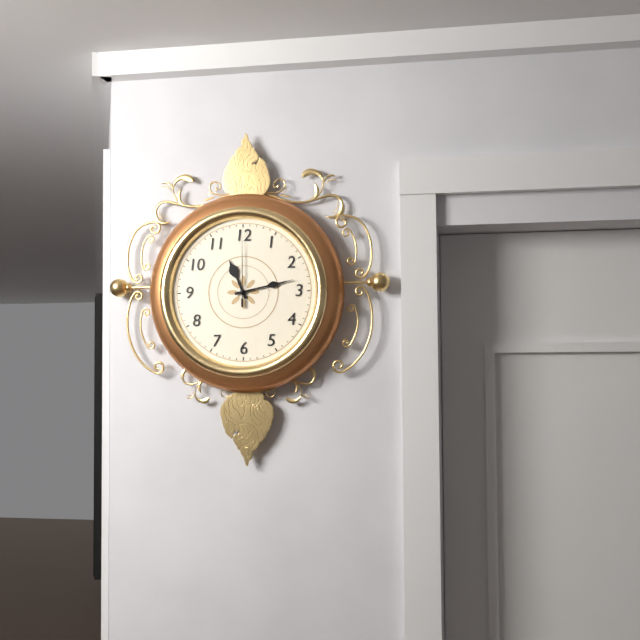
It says 11:13:00
